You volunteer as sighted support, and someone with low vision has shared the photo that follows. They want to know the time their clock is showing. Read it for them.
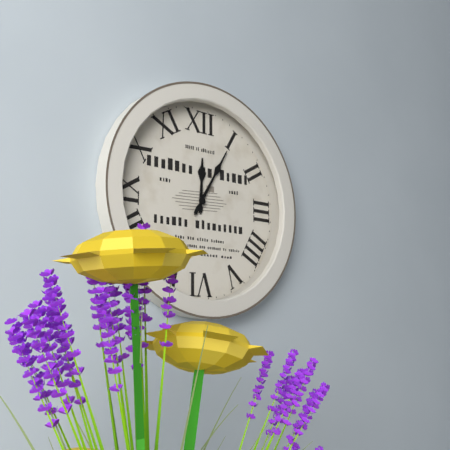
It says 12:05
